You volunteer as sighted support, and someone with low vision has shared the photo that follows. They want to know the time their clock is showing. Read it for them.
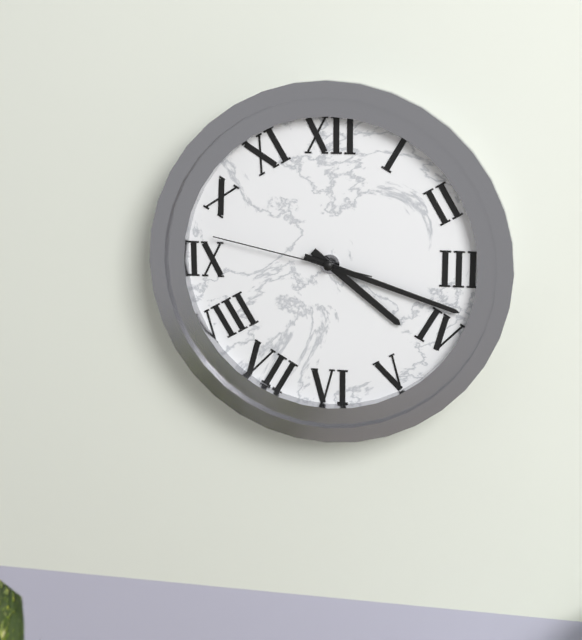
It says 4:18:47
